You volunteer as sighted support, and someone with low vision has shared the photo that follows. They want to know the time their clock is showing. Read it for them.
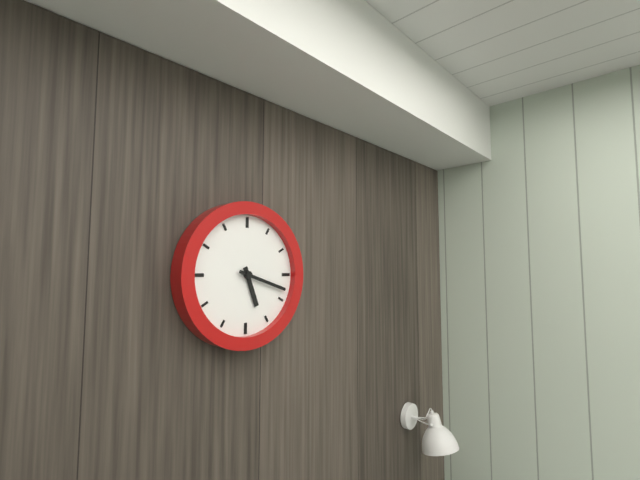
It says 5:18
